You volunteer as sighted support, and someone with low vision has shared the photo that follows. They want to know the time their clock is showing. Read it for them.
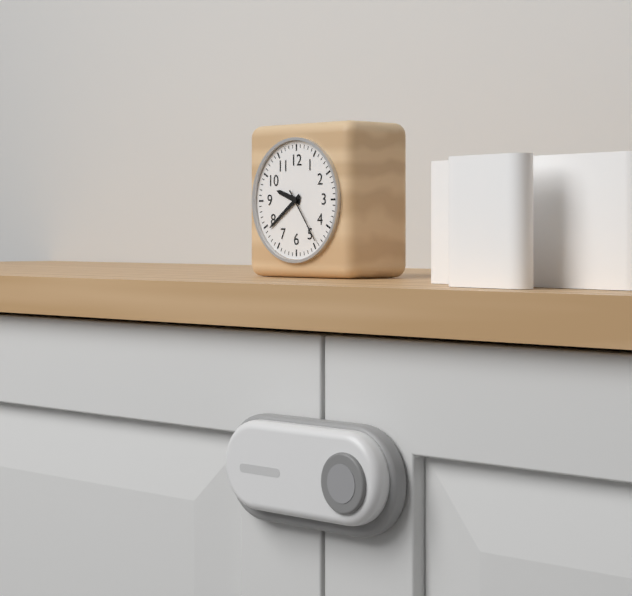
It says 9:39:24
